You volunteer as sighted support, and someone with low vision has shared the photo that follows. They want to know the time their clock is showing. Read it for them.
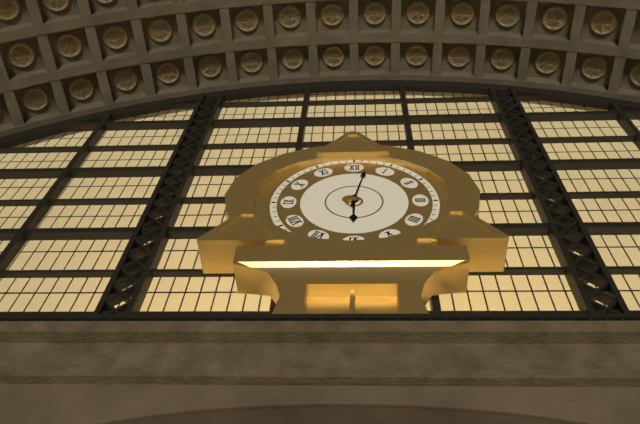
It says 6:02
